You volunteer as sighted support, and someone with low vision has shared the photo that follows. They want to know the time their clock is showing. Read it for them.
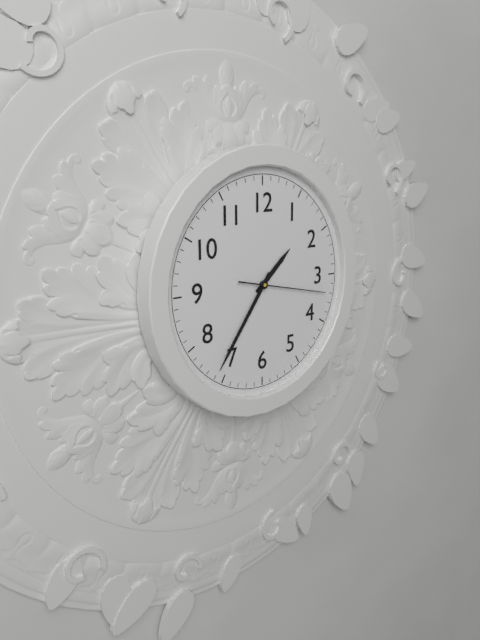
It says 1:36:17
